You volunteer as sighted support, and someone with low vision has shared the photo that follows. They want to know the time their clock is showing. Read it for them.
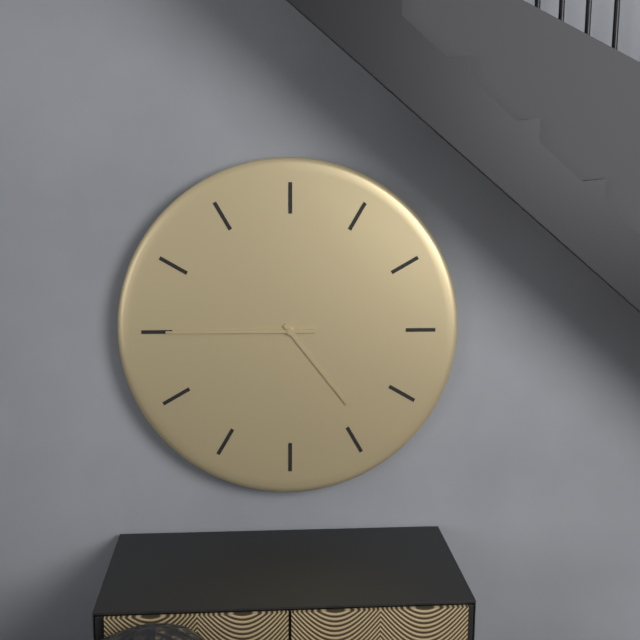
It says 4:45
